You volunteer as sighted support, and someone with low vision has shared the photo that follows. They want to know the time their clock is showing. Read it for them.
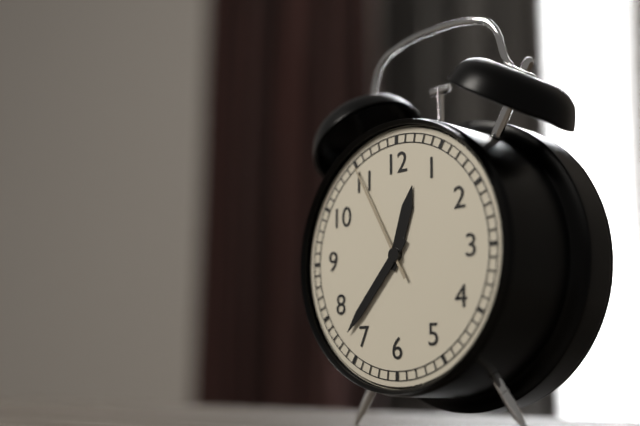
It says 12:37:55
